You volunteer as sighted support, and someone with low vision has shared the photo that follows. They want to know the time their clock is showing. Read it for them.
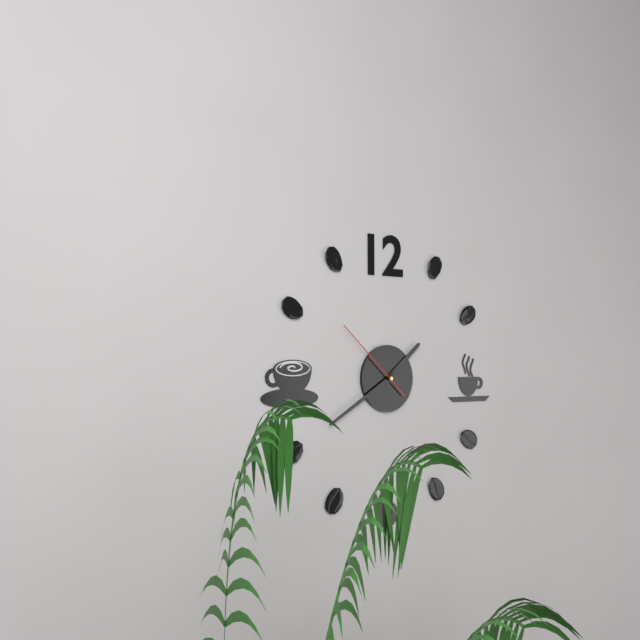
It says 1:40:52
